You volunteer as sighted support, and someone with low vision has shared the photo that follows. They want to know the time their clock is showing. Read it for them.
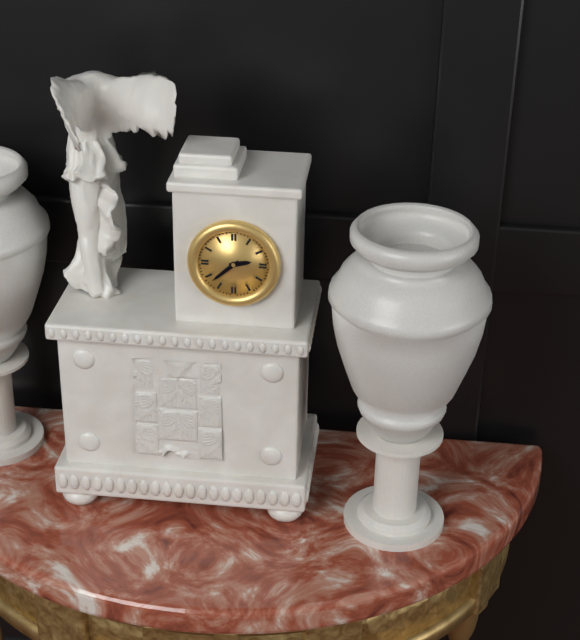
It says 2:38
